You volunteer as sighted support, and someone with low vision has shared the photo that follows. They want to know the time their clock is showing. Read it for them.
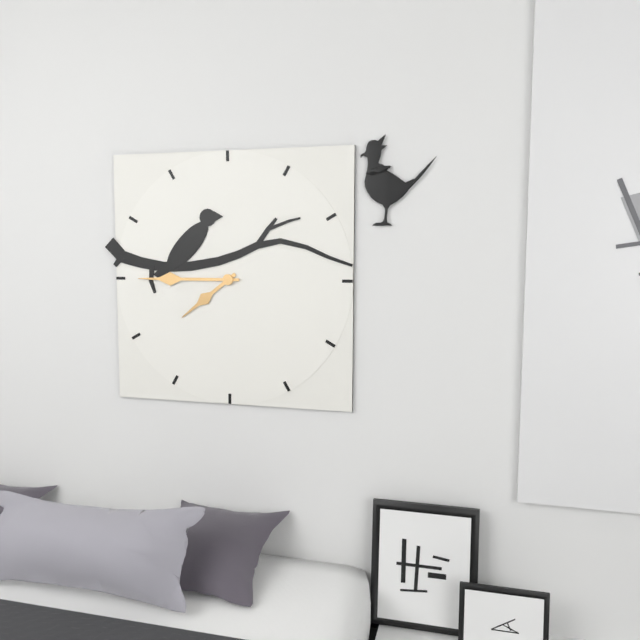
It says 7:45
